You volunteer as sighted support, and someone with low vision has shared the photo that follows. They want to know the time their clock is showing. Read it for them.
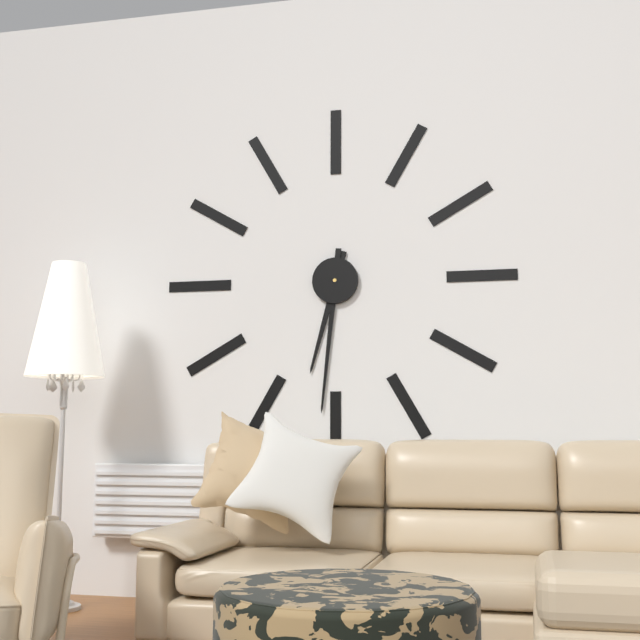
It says 6:31
